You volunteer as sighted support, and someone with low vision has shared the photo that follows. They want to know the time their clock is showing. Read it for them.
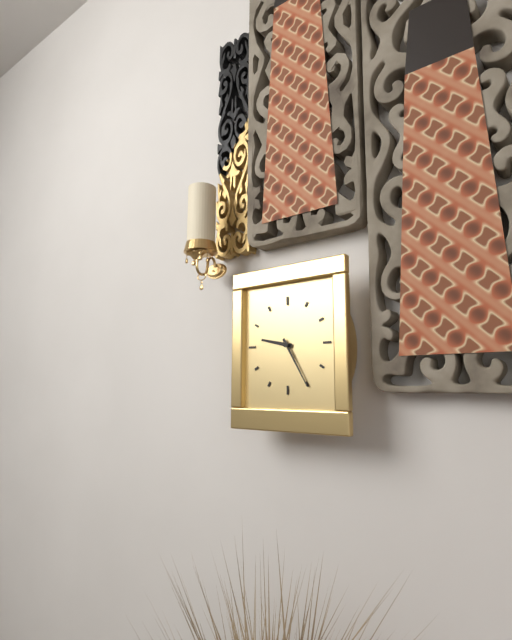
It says 9:25
